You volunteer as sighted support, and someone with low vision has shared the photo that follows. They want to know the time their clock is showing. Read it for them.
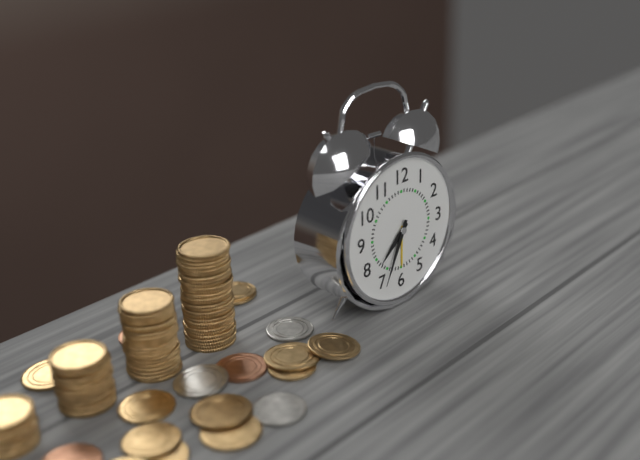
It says 7:34
